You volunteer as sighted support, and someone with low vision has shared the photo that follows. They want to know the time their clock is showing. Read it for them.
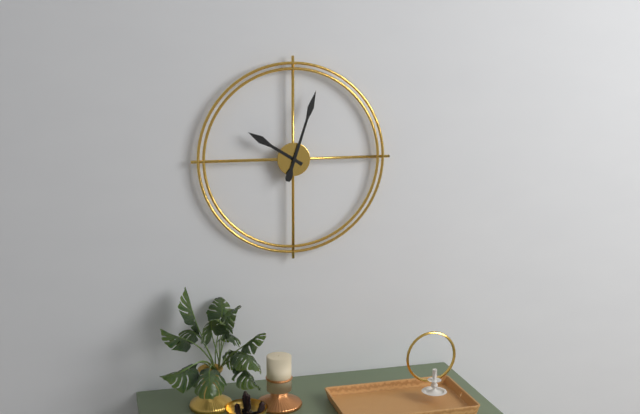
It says 10:03
